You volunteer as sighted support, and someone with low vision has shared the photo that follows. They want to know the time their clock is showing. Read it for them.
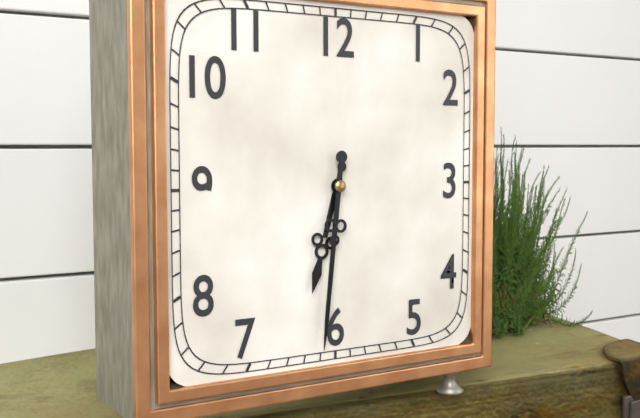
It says 6:31
